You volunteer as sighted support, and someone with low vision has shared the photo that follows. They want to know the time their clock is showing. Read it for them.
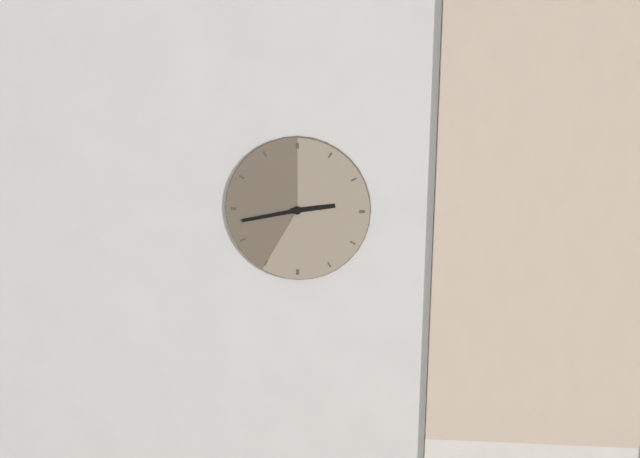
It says 2:43
